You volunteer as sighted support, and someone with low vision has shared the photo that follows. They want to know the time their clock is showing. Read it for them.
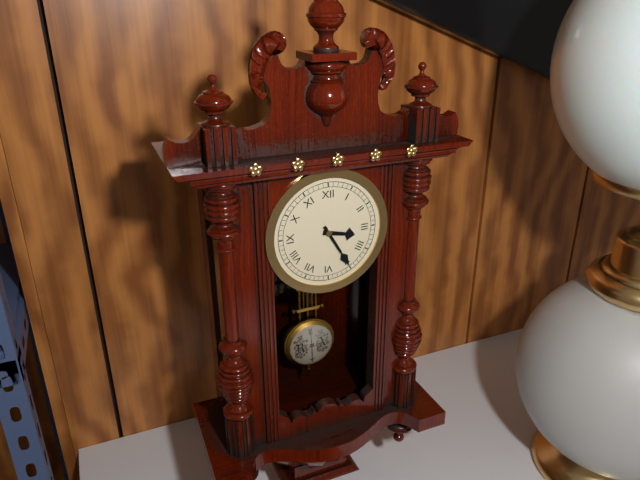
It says 3:25
